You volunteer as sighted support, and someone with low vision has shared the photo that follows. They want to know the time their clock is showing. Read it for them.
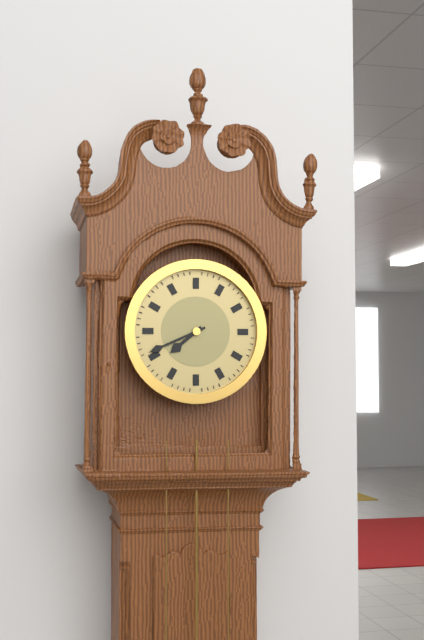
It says 7:41
